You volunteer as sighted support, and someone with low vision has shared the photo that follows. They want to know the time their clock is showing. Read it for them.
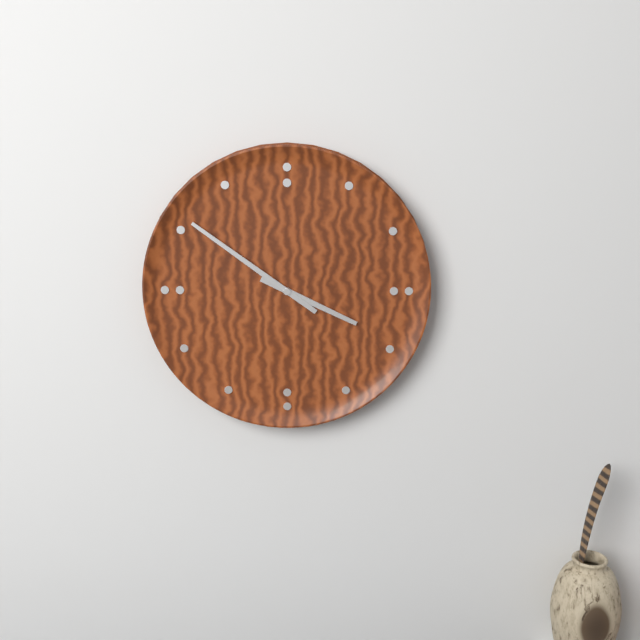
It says 3:51
